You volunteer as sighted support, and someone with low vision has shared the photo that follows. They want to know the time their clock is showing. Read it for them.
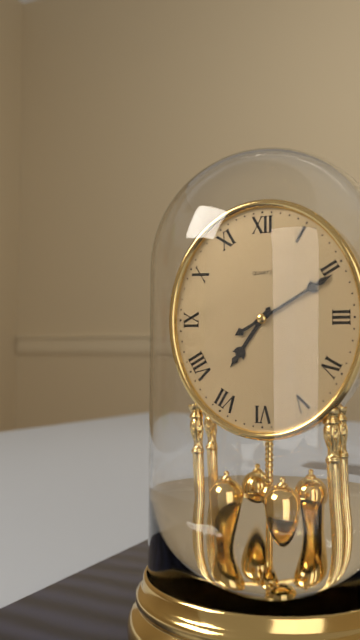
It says 7:10
